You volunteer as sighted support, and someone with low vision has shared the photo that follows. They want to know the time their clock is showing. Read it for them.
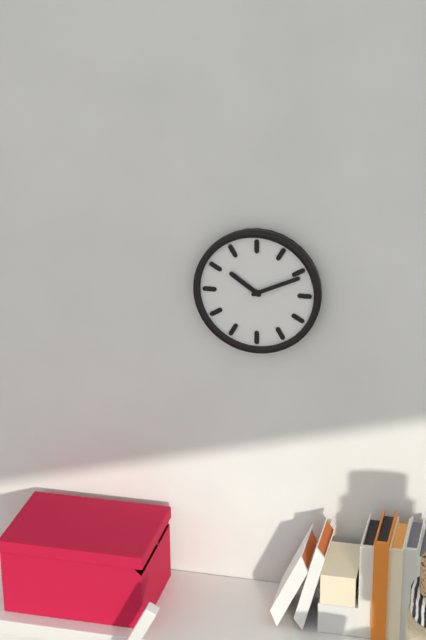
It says 10:11
